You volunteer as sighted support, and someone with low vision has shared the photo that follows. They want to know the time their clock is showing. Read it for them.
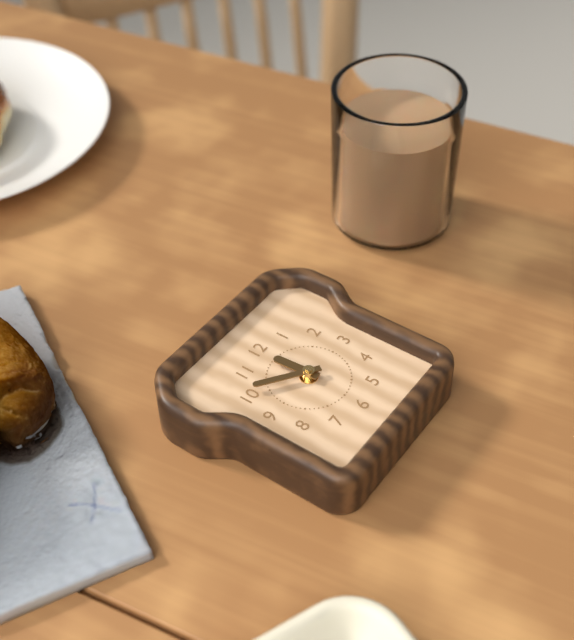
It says 11:51
